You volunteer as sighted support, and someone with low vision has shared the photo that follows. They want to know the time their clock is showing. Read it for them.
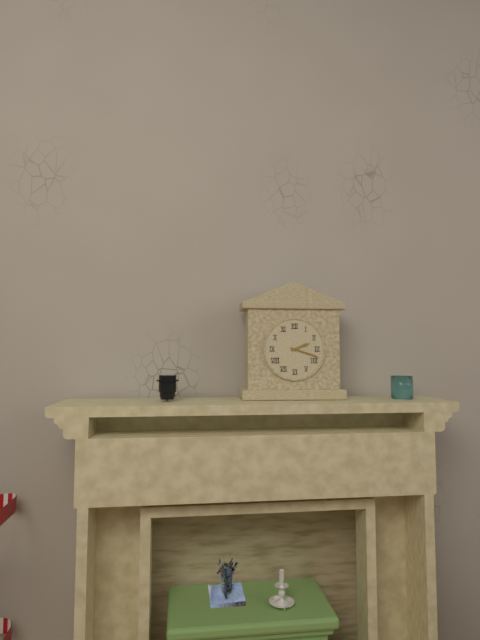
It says 2:18
